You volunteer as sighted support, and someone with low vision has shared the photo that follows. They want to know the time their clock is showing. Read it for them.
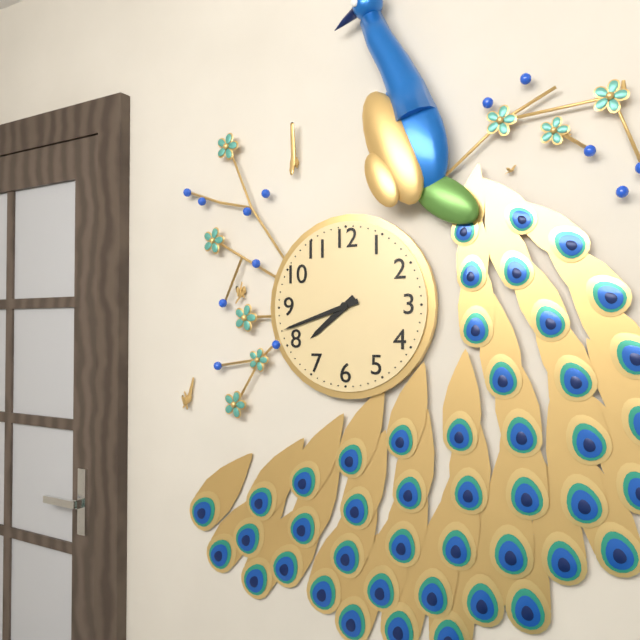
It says 7:42
